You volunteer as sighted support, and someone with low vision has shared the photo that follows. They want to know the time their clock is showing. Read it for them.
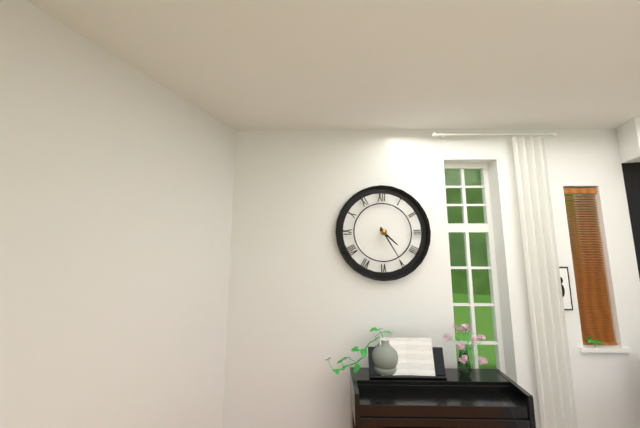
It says 4:25
